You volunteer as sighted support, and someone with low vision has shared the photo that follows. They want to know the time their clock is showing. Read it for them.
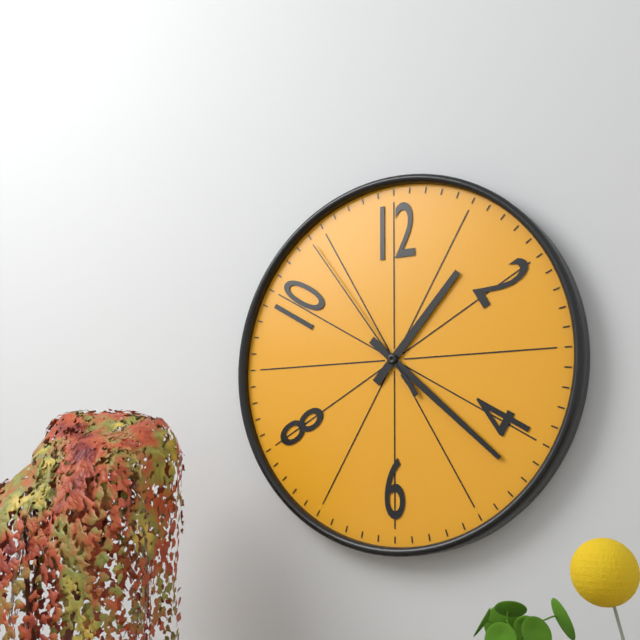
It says 1:22:54
